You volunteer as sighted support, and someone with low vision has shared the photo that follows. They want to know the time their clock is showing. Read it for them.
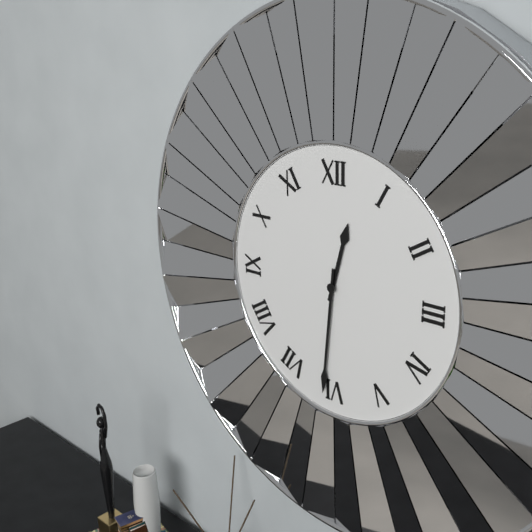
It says 12:31
